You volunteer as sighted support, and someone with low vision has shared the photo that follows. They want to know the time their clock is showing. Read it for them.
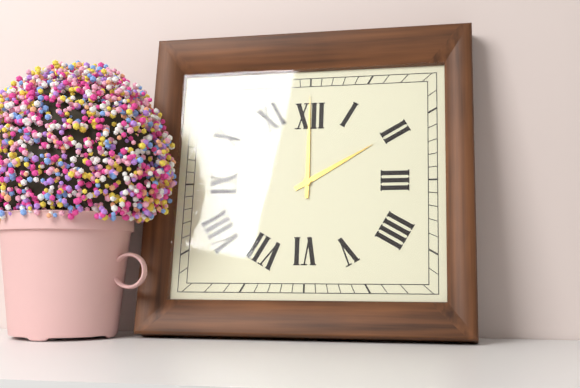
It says 2:00
